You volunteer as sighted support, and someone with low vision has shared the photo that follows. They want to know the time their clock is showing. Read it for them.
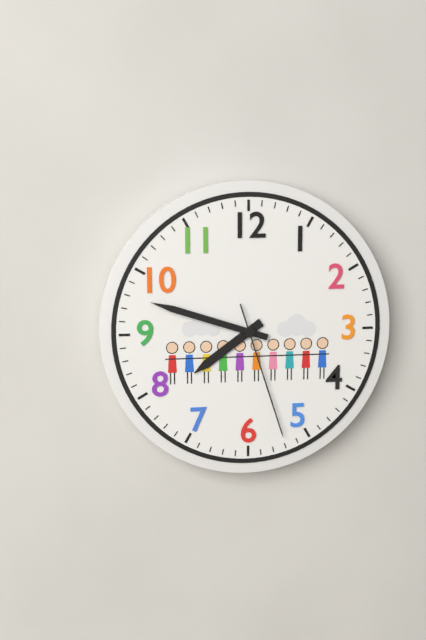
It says 7:48:27
